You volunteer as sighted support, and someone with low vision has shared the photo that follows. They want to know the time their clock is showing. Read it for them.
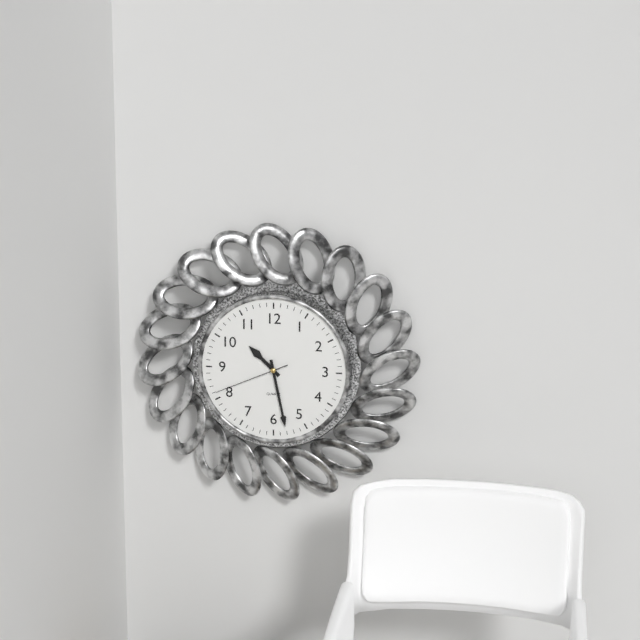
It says 10:28:41
